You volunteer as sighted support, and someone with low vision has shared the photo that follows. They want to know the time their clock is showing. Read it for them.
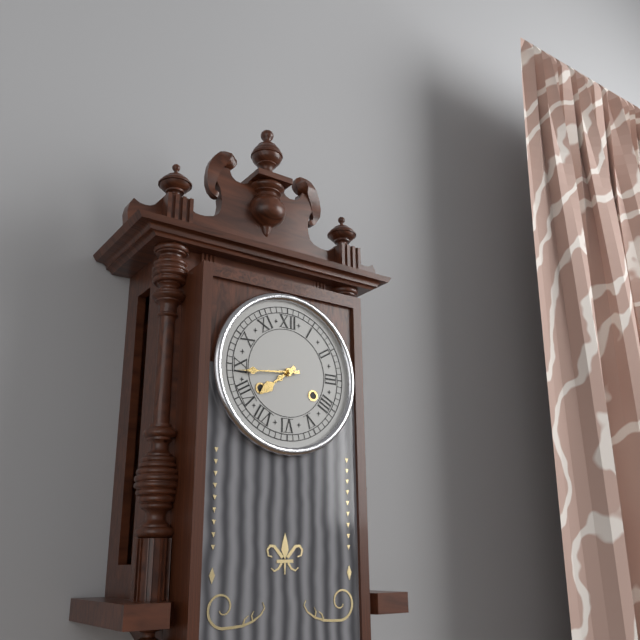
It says 7:44
